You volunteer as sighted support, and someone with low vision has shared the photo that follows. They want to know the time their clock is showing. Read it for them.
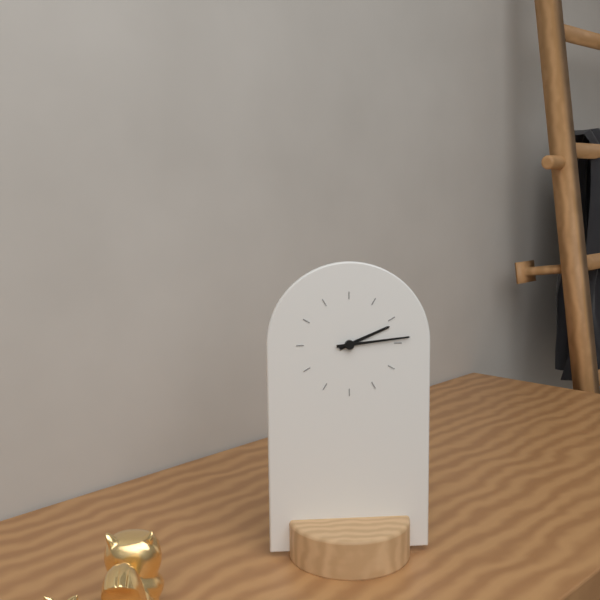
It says 2:14
